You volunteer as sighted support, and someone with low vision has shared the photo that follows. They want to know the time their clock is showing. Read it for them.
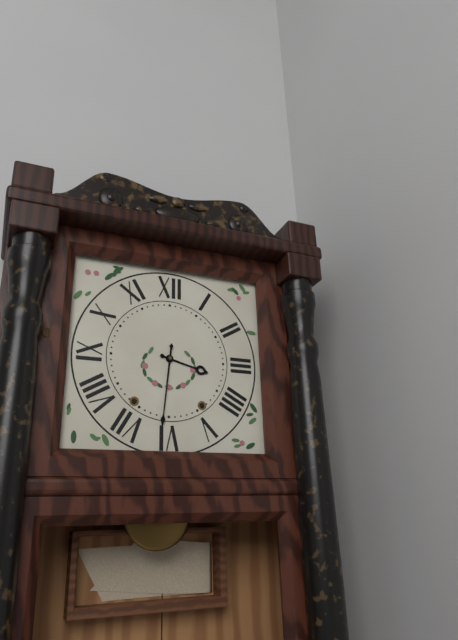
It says 3:31
